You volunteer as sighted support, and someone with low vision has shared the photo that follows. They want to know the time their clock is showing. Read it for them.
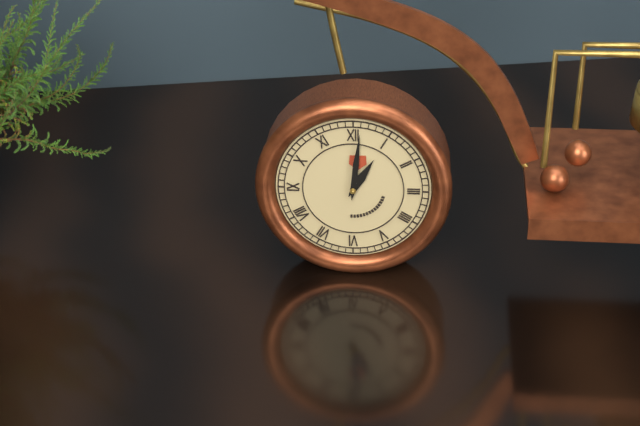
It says 1:01
